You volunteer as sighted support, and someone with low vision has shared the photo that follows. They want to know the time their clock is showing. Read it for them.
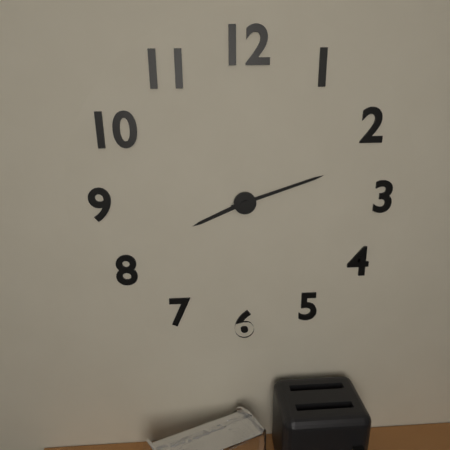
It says 8:12
